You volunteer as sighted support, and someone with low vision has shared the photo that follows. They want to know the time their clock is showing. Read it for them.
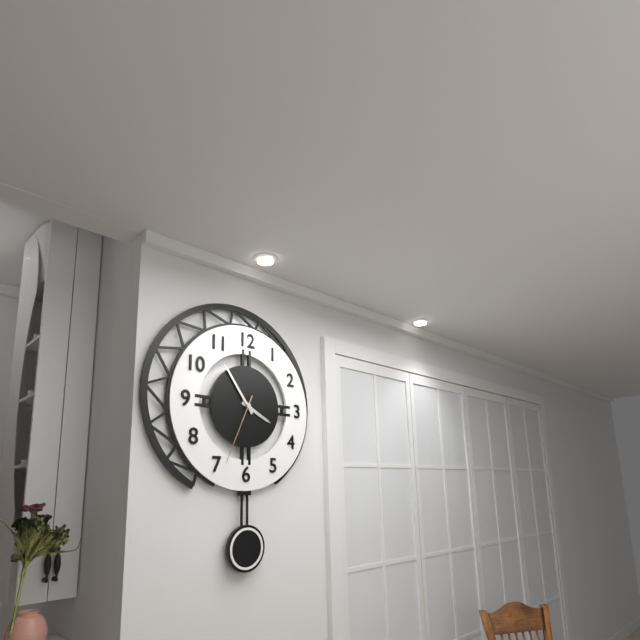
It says 3:54:34
